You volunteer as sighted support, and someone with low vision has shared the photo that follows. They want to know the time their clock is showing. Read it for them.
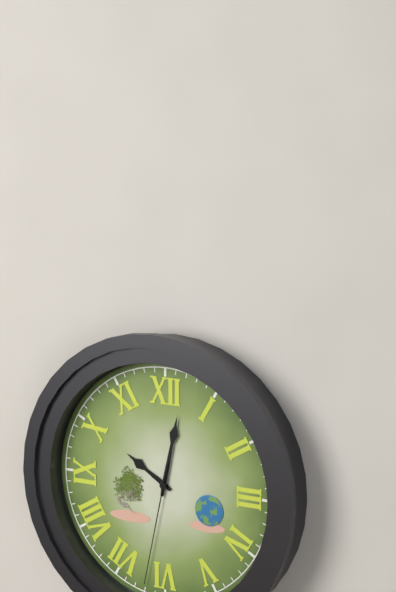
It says 10:02:32
